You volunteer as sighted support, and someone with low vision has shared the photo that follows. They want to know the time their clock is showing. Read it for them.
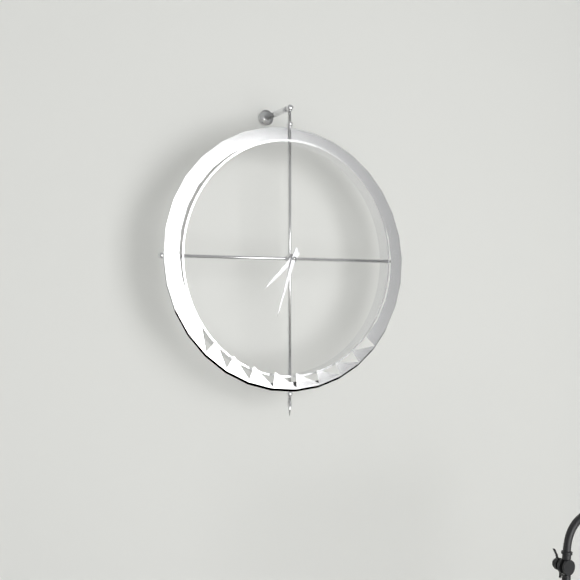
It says 7:33
